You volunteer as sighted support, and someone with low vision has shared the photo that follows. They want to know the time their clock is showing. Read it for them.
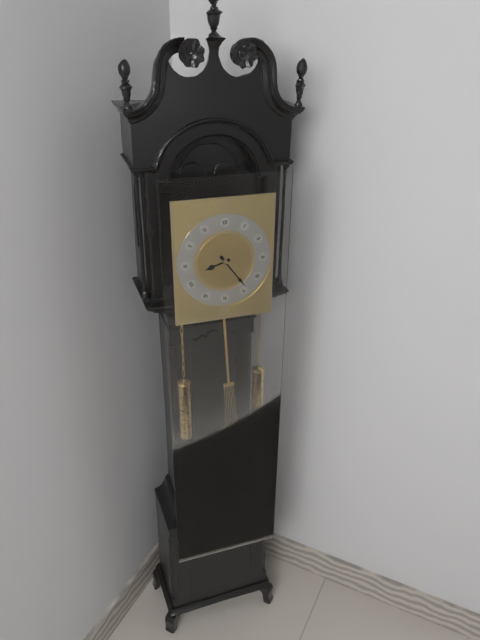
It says 8:24
